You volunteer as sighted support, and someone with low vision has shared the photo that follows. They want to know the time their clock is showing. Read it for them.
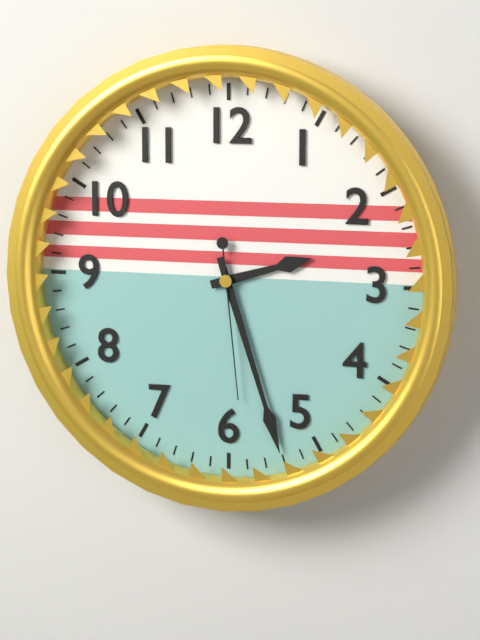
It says 2:27:29
